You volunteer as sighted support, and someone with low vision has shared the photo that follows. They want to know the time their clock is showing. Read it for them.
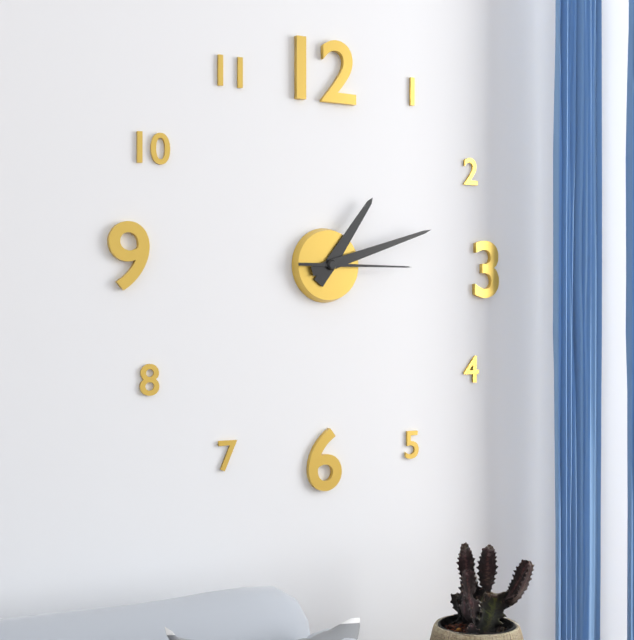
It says 1:12:15
